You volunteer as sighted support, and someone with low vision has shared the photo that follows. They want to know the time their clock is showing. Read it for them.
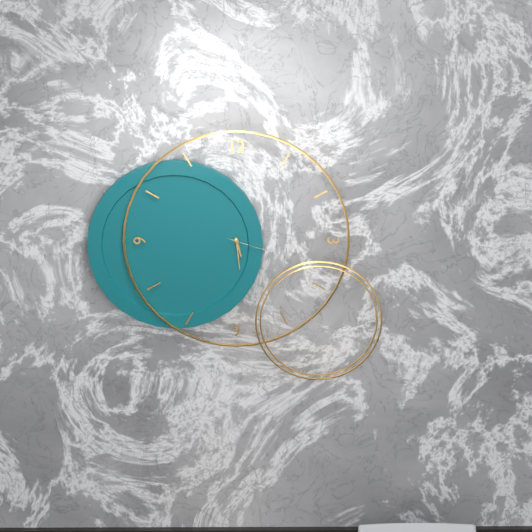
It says 5:29:18
